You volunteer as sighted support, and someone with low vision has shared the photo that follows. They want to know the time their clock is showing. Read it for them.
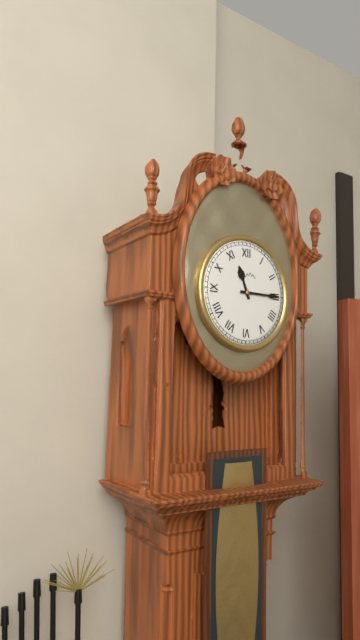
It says 11:15
